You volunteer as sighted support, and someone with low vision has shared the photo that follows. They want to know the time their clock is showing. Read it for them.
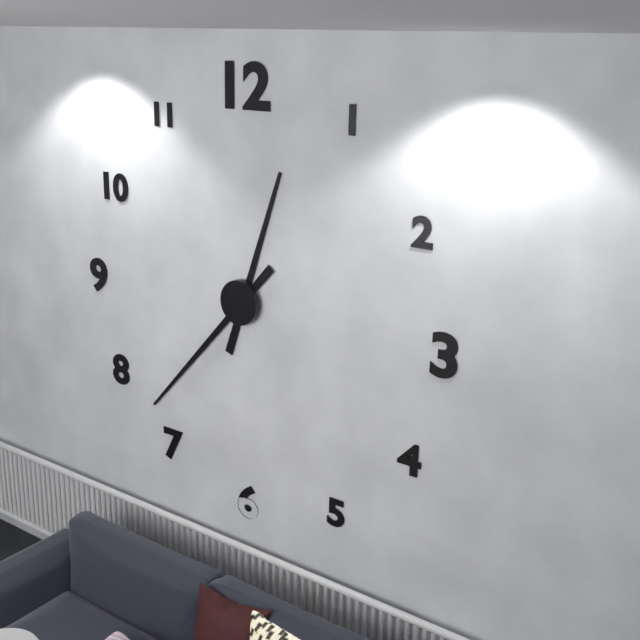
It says 12:37
